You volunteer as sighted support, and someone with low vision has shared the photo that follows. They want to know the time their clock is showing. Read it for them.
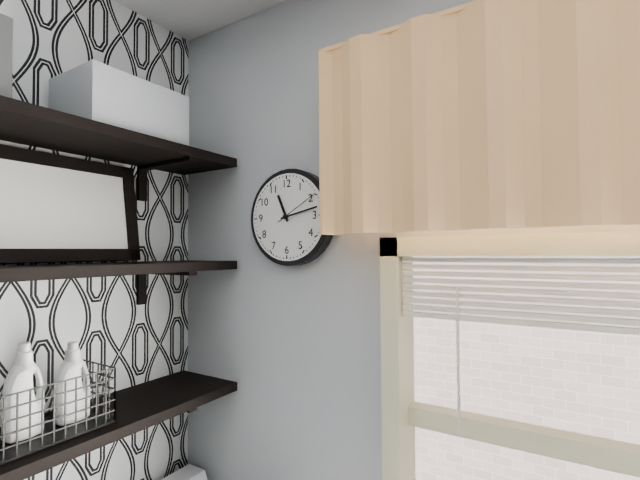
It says 11:13
